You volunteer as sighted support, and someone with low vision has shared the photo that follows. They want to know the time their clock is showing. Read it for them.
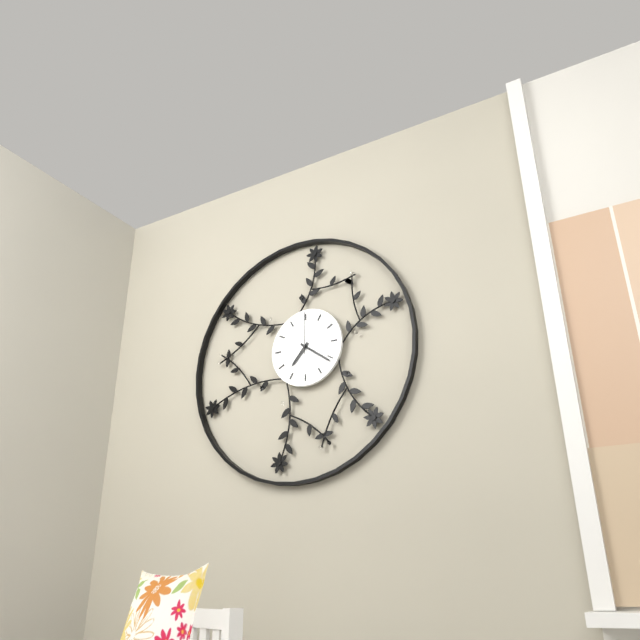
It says 7:21
